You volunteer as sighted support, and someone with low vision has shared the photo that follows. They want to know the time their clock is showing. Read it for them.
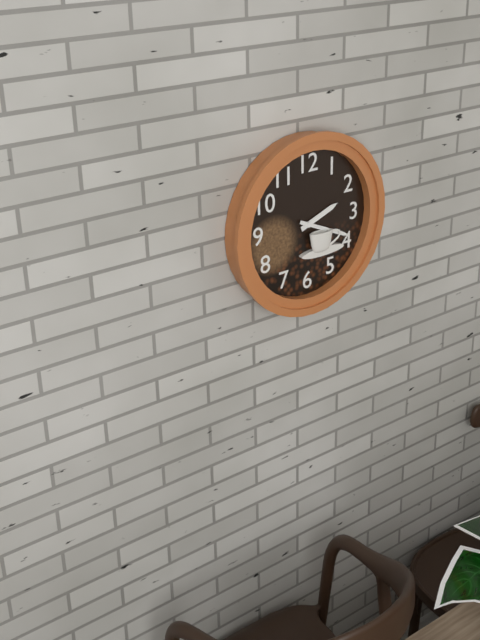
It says 2:19
